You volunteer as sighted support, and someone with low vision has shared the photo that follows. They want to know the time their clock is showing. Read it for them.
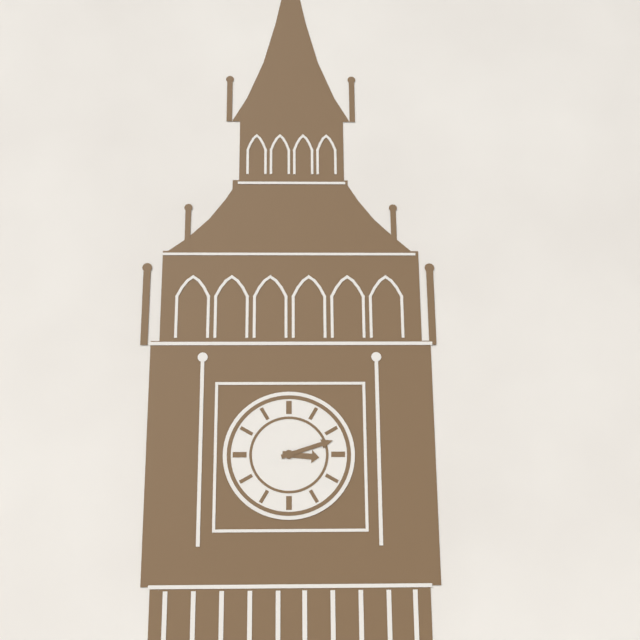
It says 3:12
